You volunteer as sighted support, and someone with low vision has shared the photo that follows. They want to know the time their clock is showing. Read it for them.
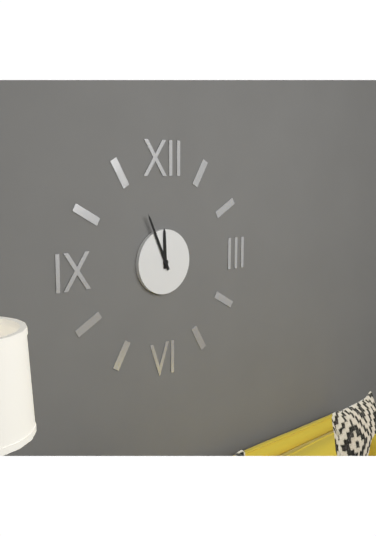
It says 11:56
